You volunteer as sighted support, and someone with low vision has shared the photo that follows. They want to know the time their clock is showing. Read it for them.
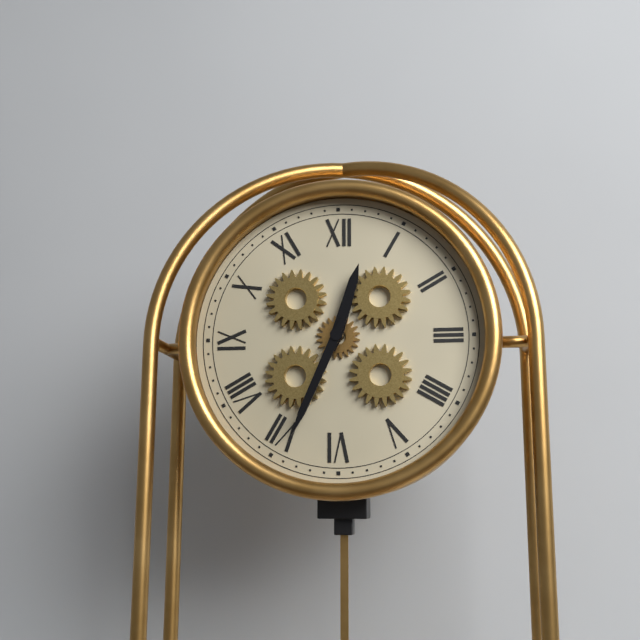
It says 12:34
